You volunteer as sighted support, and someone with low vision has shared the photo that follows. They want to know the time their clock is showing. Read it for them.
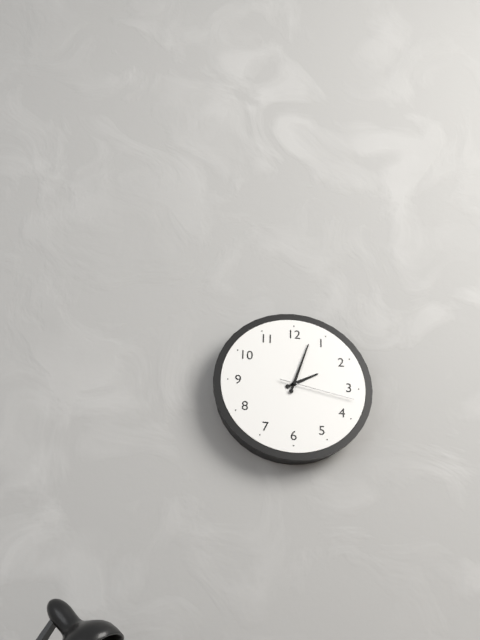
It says 2:03:17
